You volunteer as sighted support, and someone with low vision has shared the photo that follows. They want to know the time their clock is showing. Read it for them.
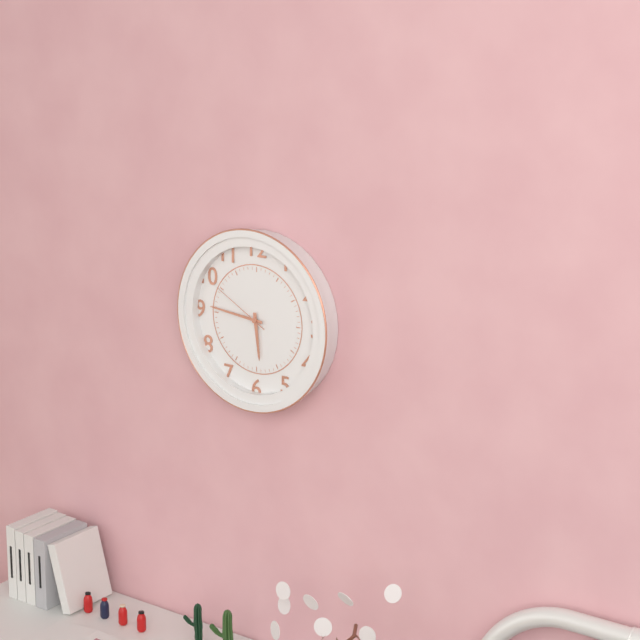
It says 5:46:50
